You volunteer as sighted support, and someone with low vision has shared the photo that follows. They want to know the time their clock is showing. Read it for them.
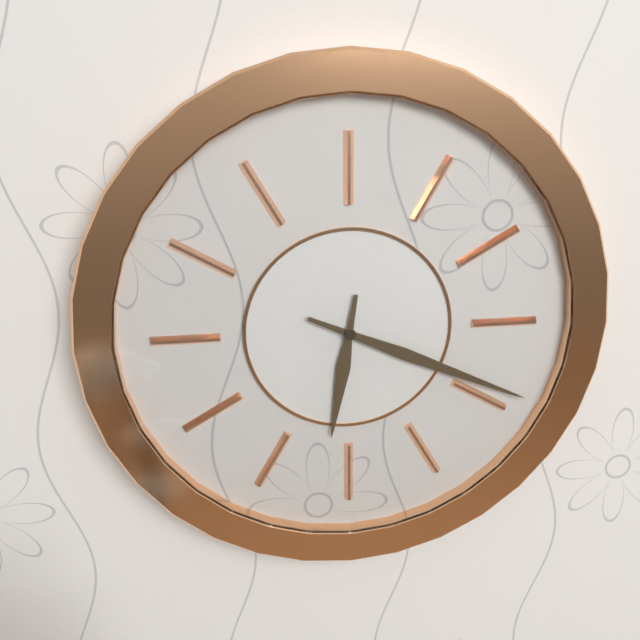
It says 6:19
